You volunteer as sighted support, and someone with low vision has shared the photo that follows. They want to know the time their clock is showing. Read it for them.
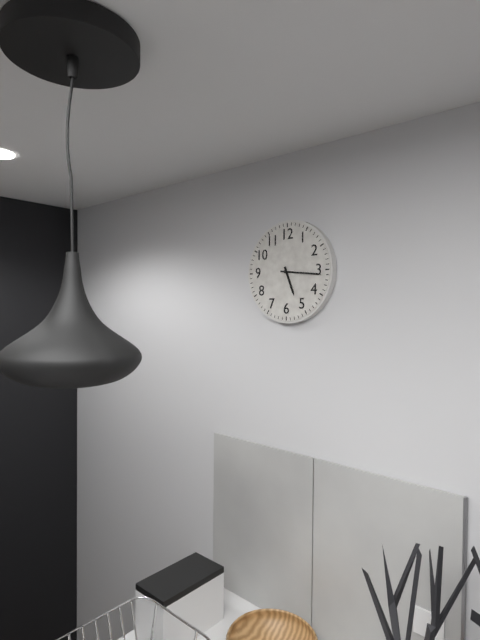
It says 5:16
